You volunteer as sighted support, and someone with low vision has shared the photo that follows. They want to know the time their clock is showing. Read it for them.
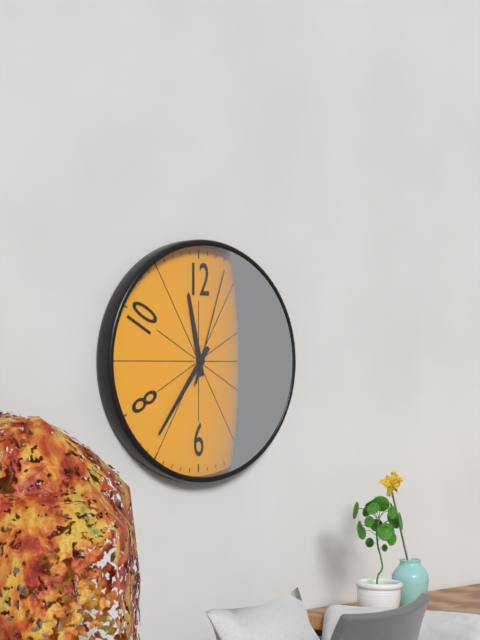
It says 11:36:03
